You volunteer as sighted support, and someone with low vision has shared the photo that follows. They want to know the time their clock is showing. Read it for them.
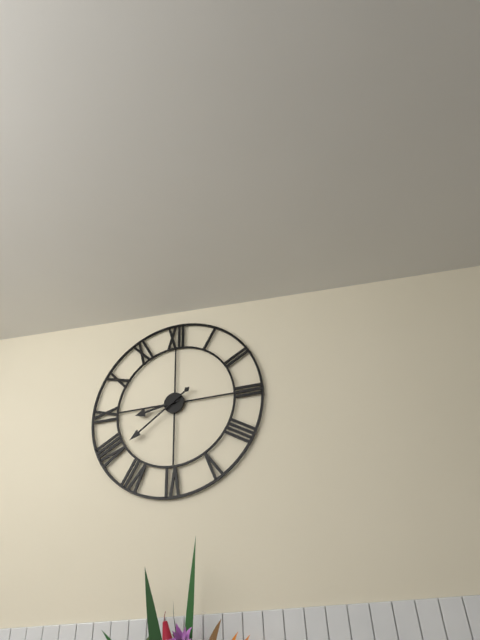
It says 8:39
